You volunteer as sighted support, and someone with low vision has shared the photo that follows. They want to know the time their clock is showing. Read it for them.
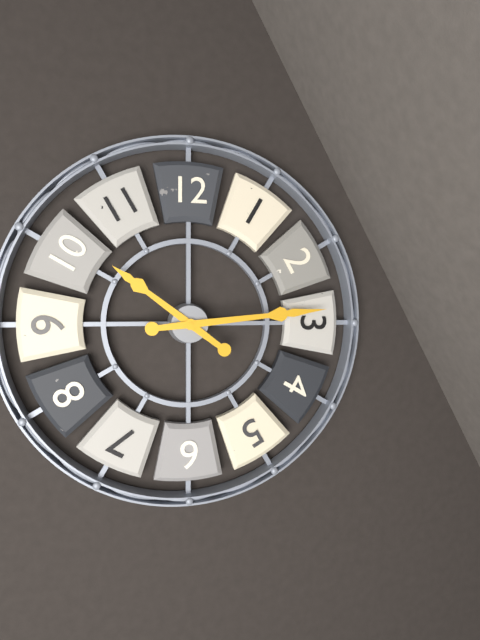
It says 10:14
